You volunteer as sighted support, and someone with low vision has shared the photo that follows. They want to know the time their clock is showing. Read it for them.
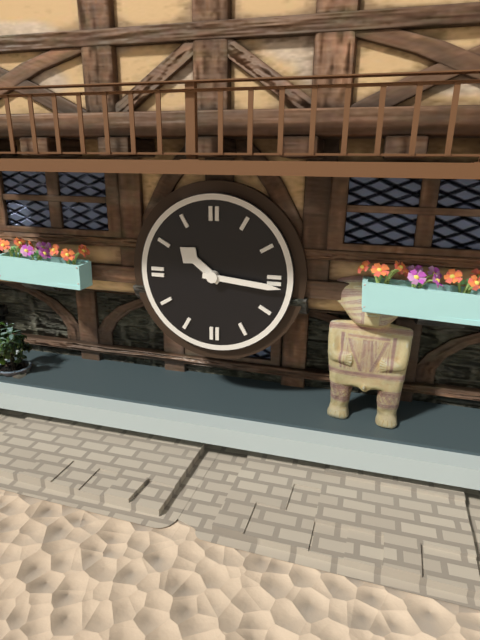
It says 10:16
